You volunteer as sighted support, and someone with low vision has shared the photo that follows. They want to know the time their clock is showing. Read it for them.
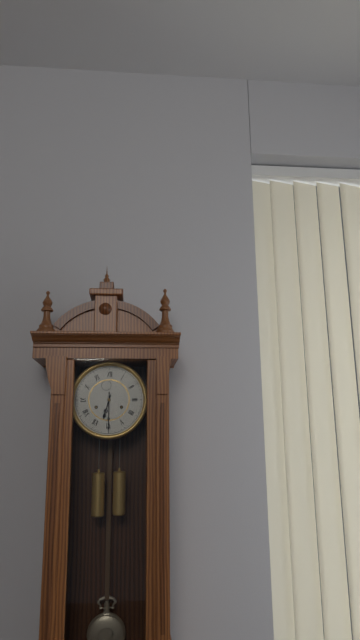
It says 6:30
